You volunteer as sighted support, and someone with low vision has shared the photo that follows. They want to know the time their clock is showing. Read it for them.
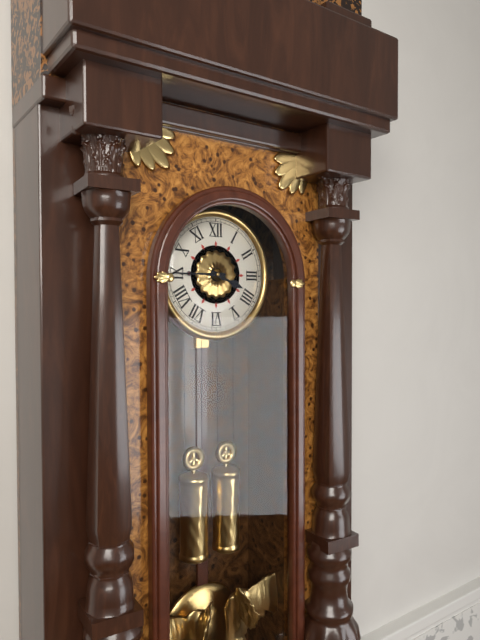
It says 3:45
